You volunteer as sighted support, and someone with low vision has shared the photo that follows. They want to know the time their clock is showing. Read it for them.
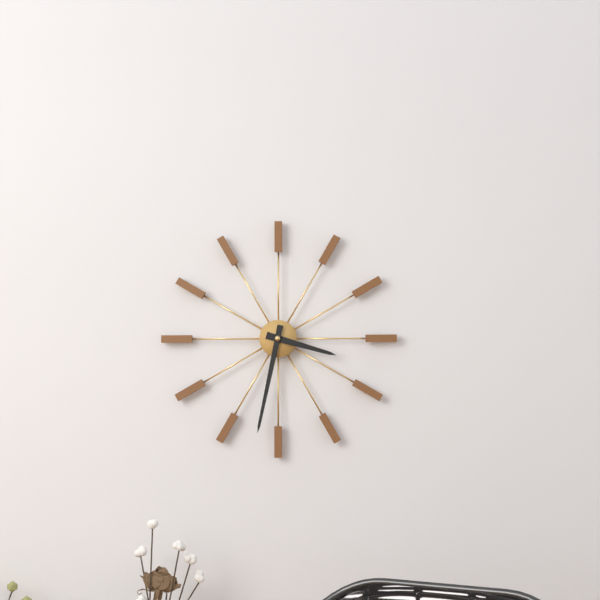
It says 3:32
